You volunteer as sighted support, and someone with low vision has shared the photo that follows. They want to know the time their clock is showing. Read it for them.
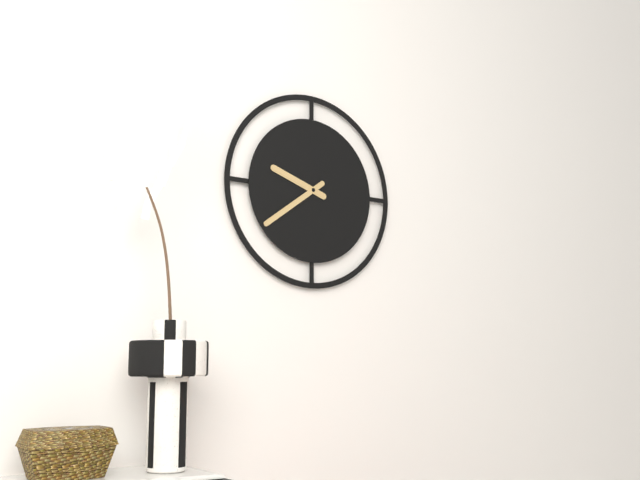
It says 9:39
